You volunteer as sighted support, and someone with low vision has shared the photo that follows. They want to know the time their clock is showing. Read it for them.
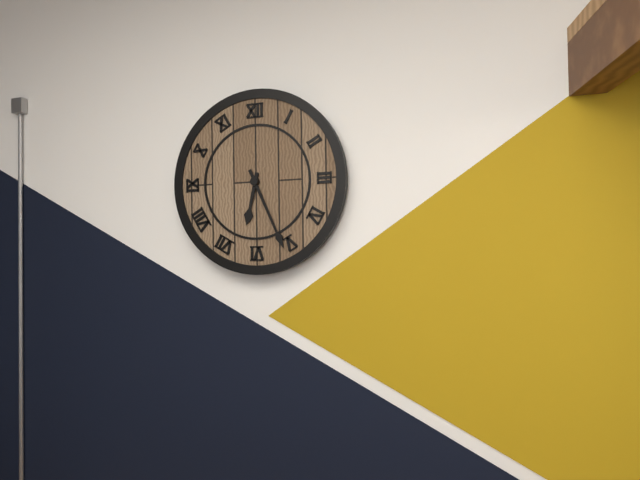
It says 6:26
